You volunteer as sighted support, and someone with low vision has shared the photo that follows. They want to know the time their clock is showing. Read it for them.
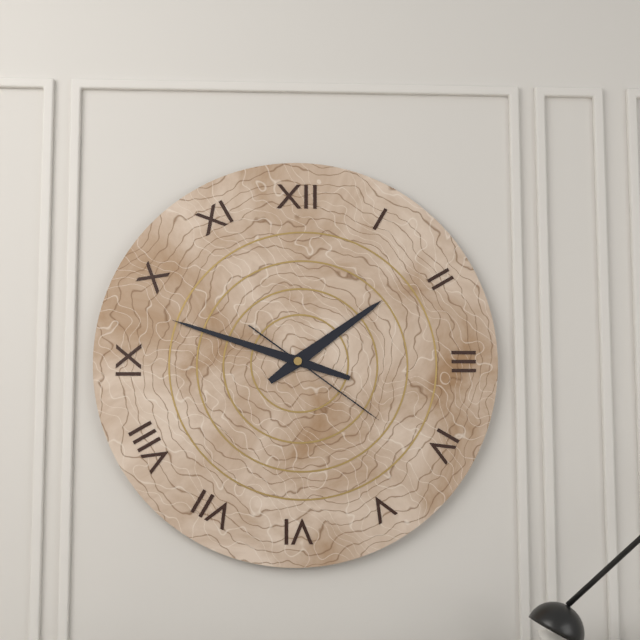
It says 1:48:21
